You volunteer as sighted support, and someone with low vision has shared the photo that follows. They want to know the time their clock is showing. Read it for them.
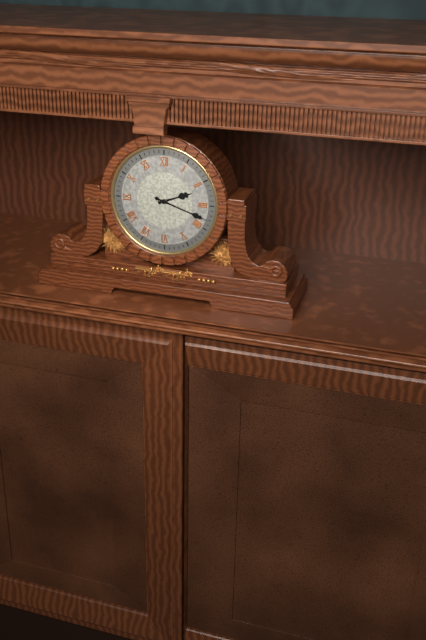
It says 2:18
